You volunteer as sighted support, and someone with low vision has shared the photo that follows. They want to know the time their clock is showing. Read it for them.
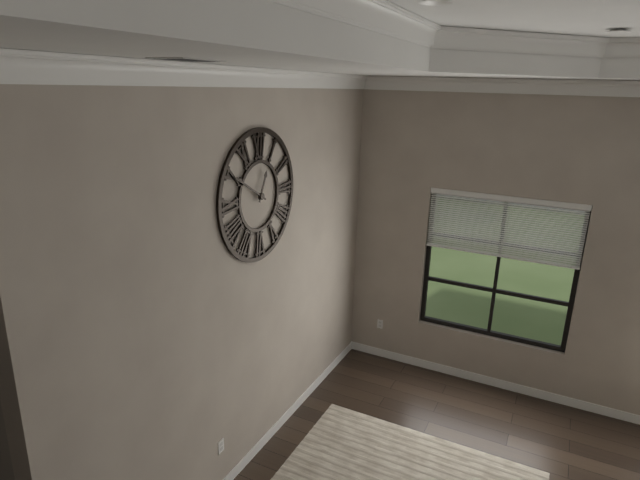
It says 12:50
